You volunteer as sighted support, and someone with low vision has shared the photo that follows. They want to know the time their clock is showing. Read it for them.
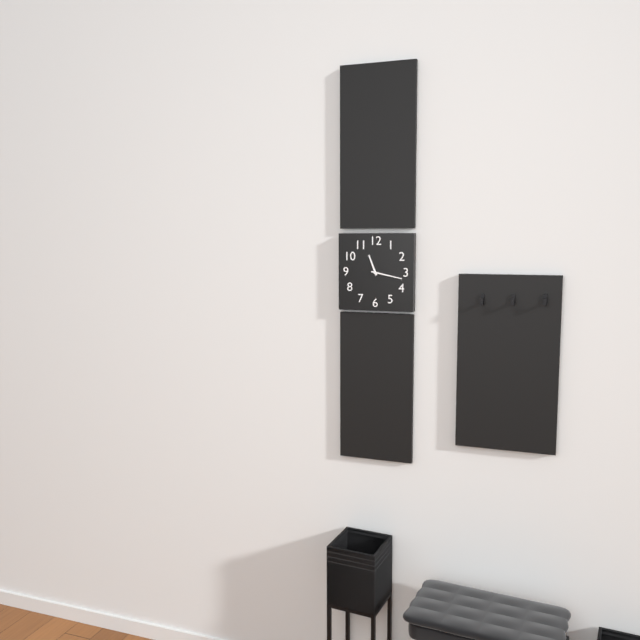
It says 11:17
